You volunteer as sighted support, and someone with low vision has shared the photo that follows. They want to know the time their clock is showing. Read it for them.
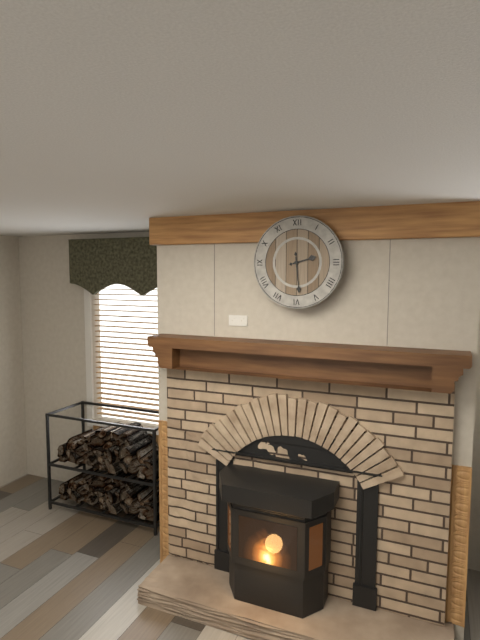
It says 2:29
